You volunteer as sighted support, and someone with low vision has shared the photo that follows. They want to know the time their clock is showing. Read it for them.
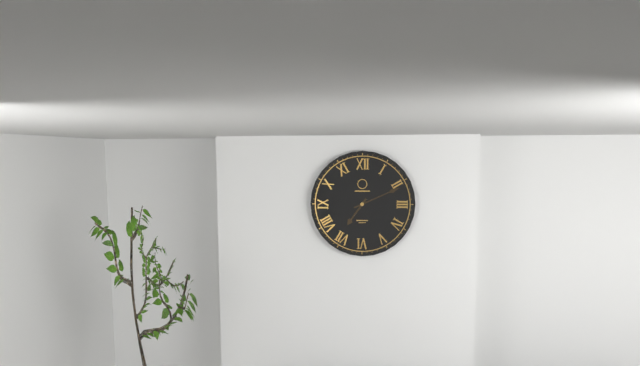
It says 7:11
